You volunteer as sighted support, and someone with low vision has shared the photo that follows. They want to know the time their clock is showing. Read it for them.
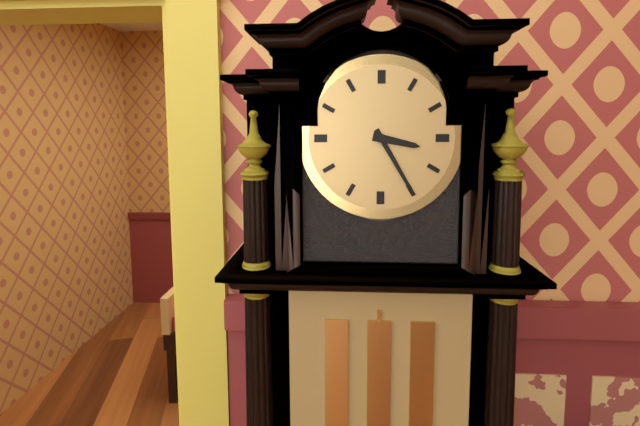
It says 3:25
